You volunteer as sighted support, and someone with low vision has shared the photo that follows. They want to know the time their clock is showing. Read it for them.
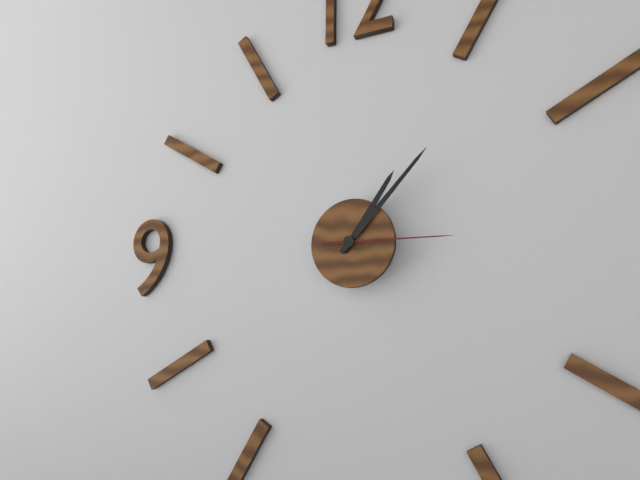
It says 1:07:15
